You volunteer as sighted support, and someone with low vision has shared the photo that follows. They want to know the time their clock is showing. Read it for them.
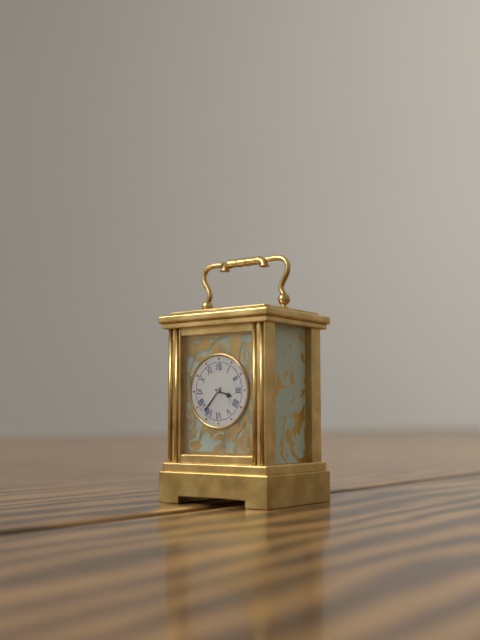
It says 3:37
